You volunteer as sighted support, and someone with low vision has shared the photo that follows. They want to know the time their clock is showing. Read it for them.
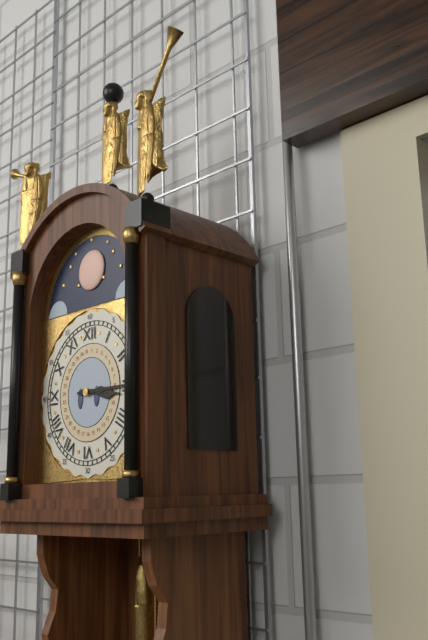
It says 3:15
